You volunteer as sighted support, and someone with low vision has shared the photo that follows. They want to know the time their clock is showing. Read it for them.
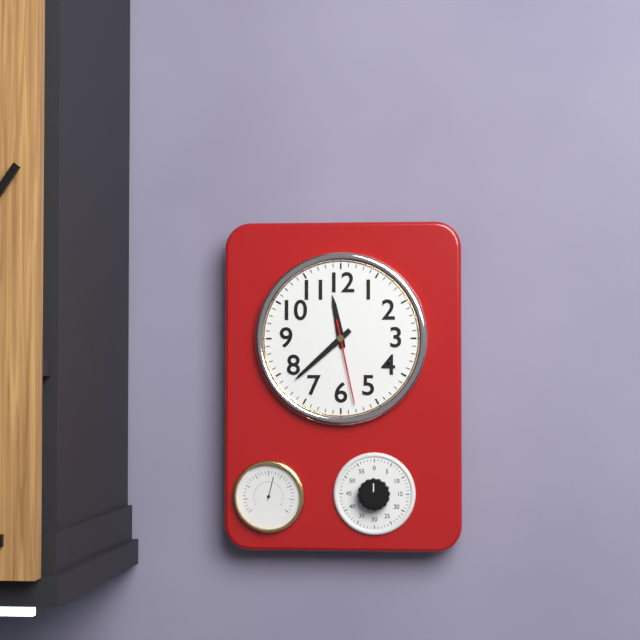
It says 11:38:28
